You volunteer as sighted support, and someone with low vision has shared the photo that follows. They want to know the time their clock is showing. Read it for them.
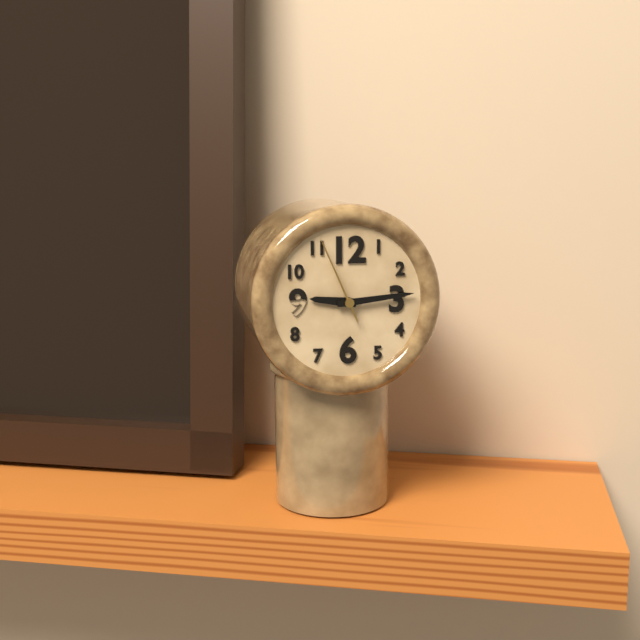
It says 9:14:56
